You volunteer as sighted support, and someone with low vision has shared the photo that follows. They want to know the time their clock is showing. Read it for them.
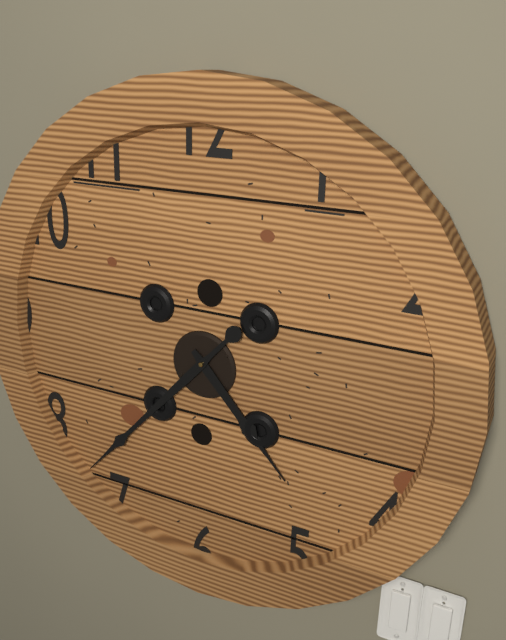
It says 4:37
